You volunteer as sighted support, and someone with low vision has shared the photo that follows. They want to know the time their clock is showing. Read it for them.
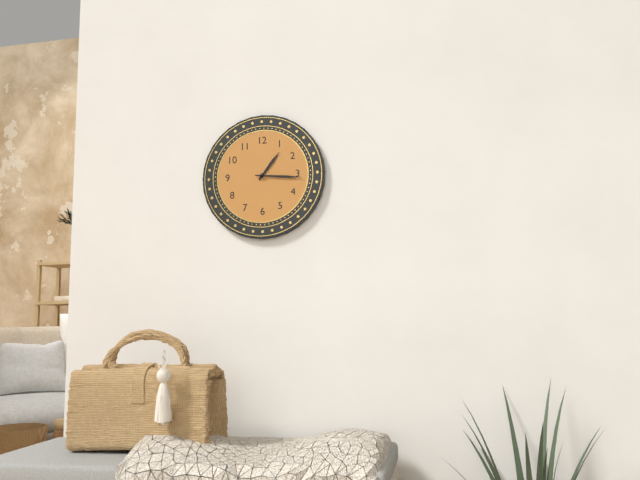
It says 1:16
